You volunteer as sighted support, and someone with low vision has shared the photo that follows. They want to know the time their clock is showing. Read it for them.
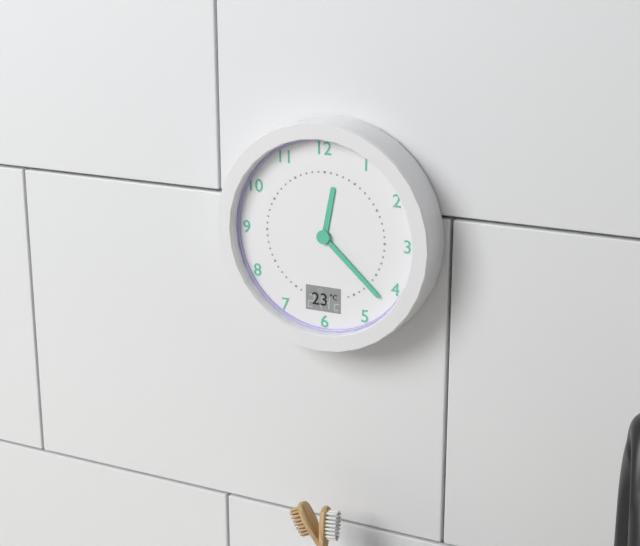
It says 12:22
